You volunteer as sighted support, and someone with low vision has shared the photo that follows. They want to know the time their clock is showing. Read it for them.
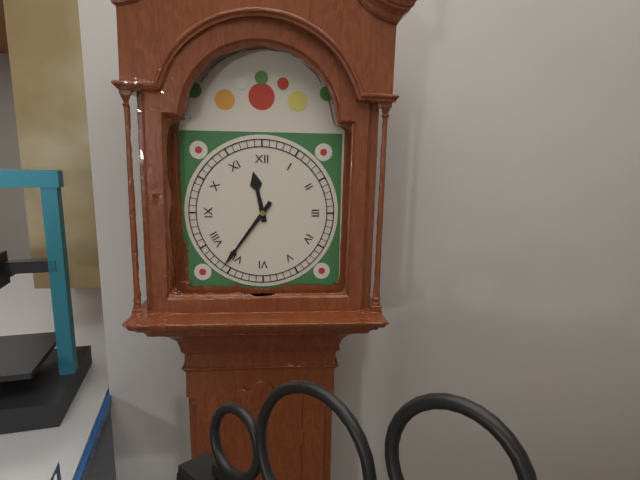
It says 11:36
